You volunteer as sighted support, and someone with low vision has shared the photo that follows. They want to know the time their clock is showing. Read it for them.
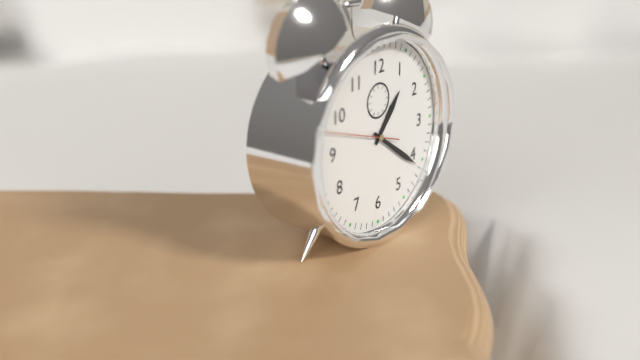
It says 1:21:48
